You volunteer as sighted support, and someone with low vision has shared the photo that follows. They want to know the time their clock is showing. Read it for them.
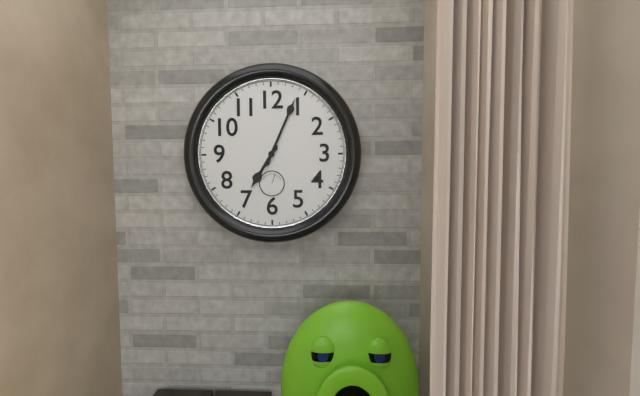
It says 7:04
